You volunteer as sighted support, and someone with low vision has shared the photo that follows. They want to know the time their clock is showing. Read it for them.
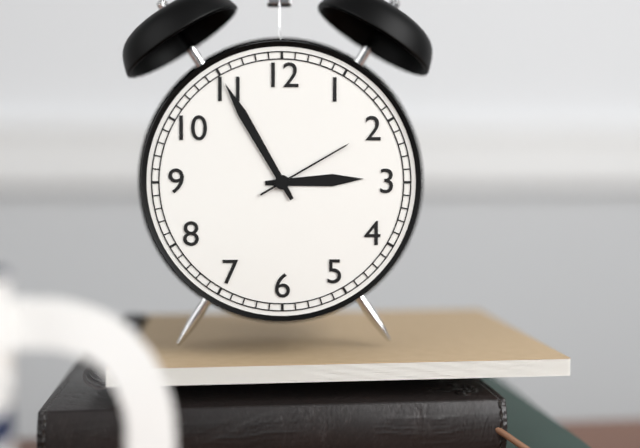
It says 2:55:10
